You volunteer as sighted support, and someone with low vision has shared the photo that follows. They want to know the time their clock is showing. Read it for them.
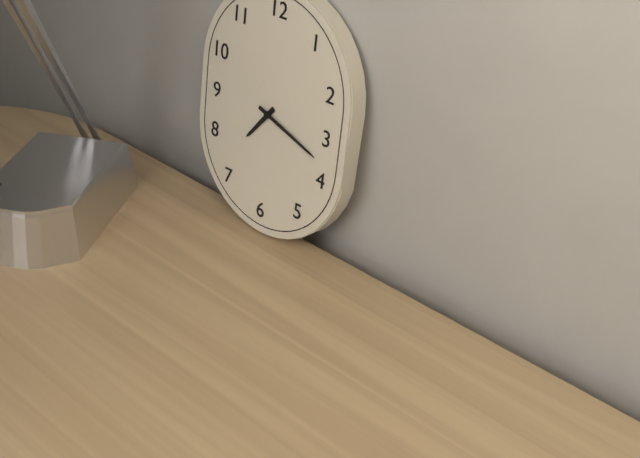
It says 7:18
